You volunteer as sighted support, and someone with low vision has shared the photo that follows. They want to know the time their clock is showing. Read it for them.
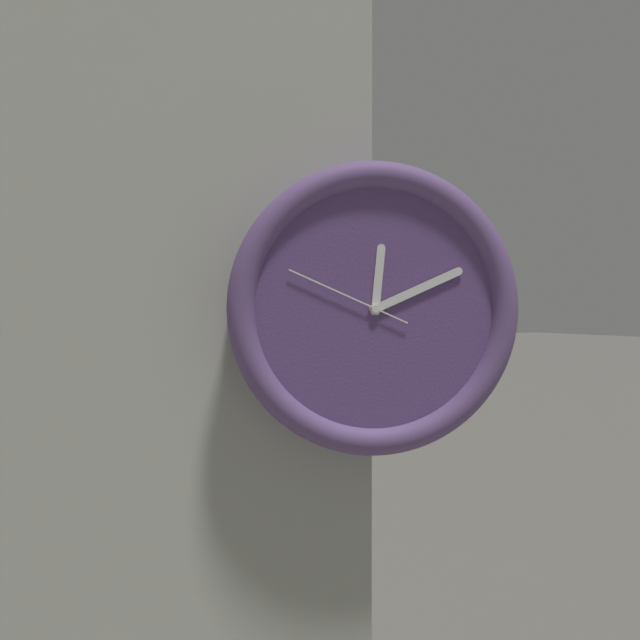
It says 12:11:49
